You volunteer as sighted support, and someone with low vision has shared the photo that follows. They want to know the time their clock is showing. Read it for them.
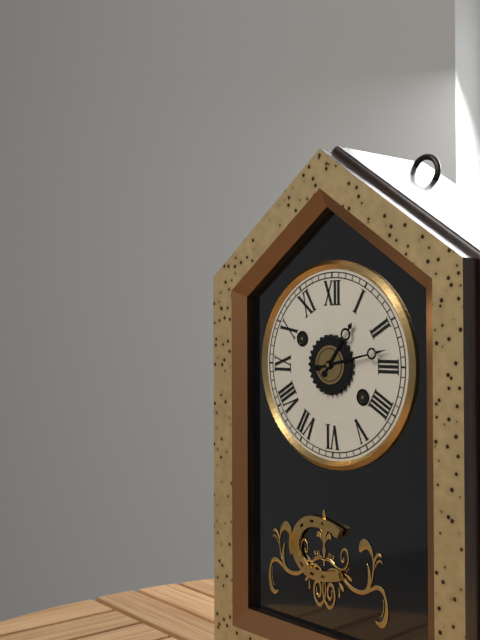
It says 1:13
